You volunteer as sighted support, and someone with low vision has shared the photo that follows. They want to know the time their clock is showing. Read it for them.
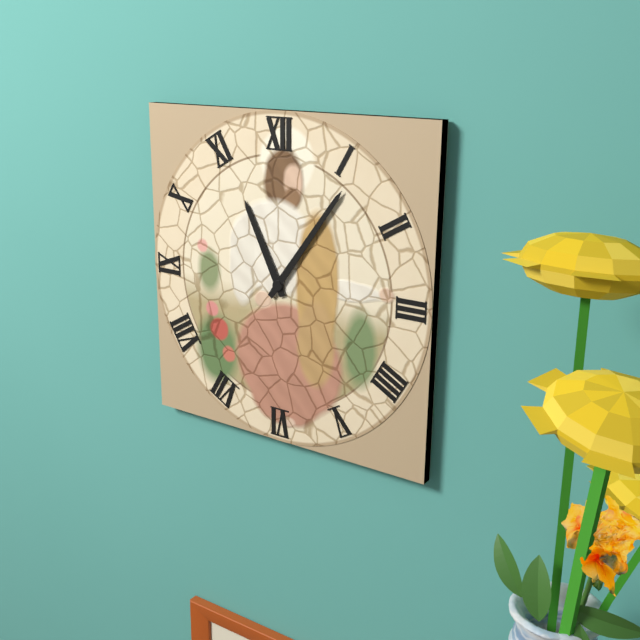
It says 11:06
